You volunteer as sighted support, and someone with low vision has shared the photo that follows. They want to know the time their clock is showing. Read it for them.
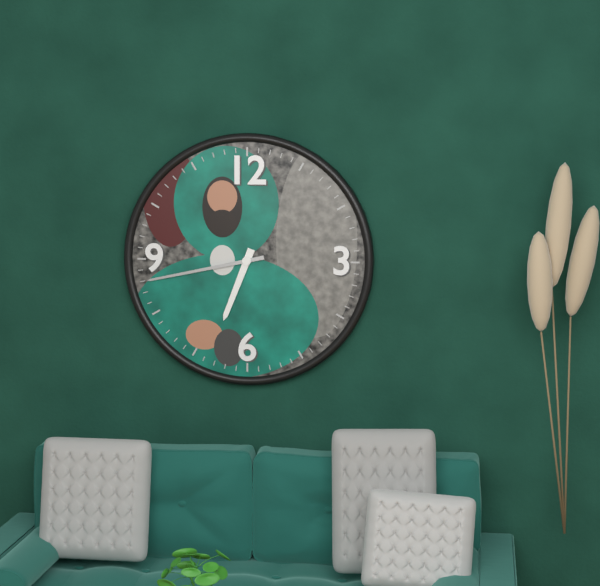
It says 6:43
